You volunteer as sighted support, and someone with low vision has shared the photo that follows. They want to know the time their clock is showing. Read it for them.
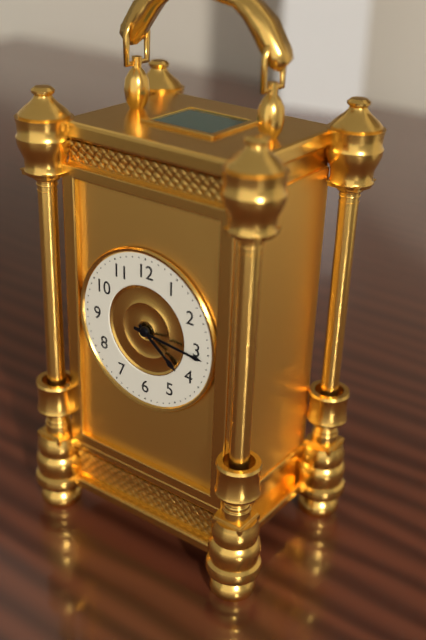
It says 4:16
